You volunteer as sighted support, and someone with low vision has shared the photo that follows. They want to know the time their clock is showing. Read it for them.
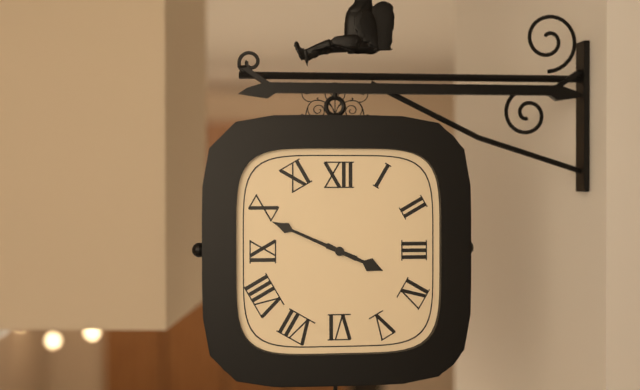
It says 3:49
